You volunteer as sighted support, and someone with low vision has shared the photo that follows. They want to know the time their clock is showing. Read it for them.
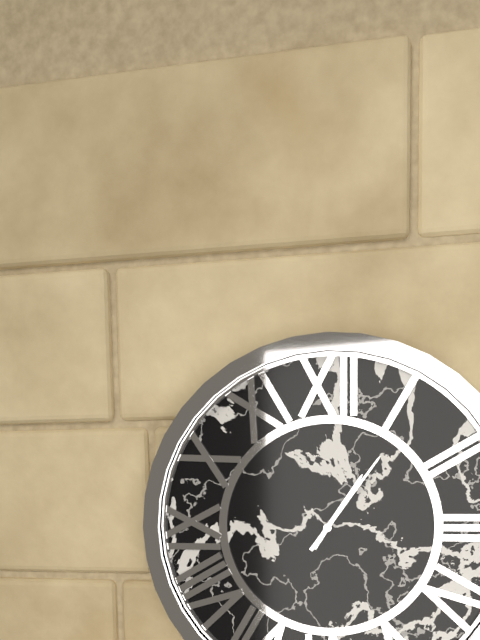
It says 1:06
